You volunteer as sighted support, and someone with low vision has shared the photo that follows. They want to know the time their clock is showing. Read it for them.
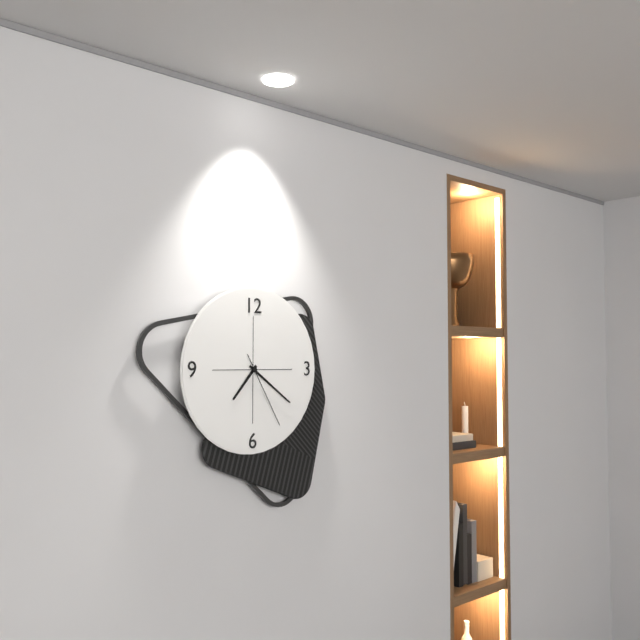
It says 7:21:25
